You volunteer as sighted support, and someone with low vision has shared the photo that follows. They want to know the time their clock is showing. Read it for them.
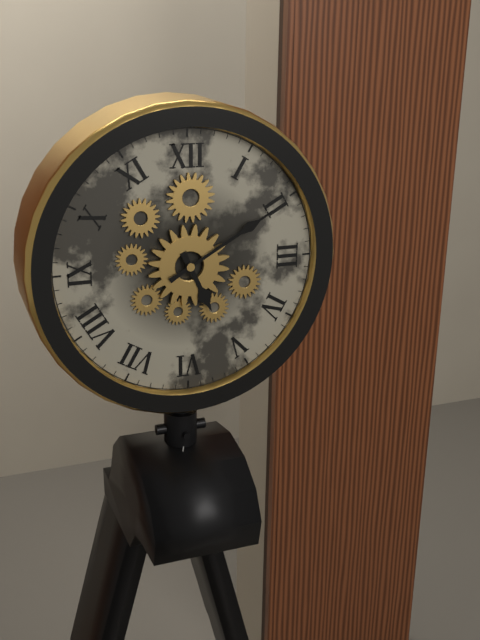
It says 5:10
